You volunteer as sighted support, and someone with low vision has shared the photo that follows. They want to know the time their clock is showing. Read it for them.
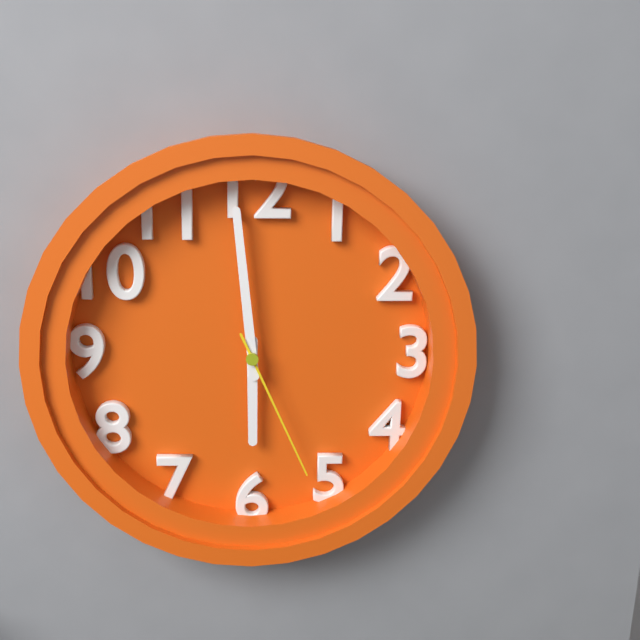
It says 5:59:26
